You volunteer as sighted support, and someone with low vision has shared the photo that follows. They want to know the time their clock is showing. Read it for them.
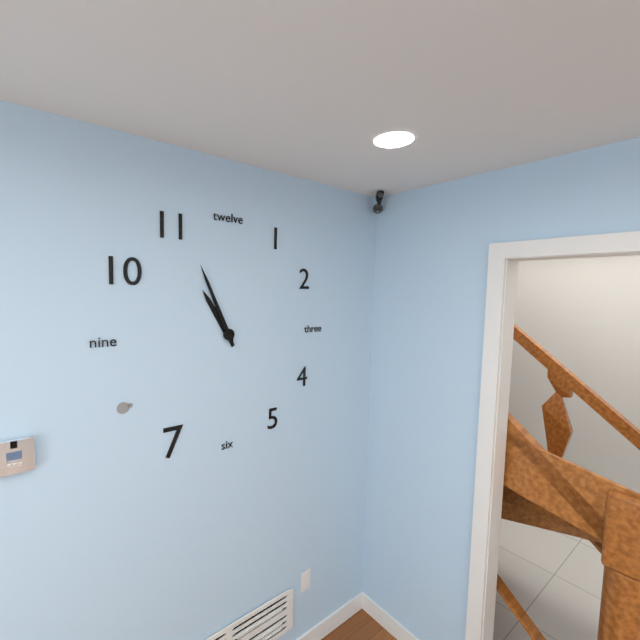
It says 10:56
